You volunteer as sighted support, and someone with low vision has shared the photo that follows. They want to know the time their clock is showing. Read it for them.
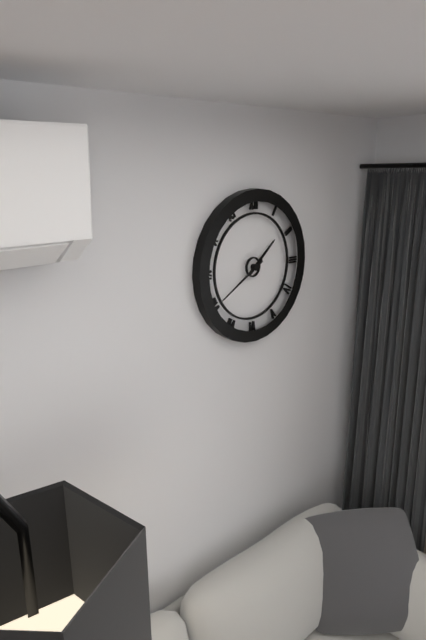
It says 1:40
